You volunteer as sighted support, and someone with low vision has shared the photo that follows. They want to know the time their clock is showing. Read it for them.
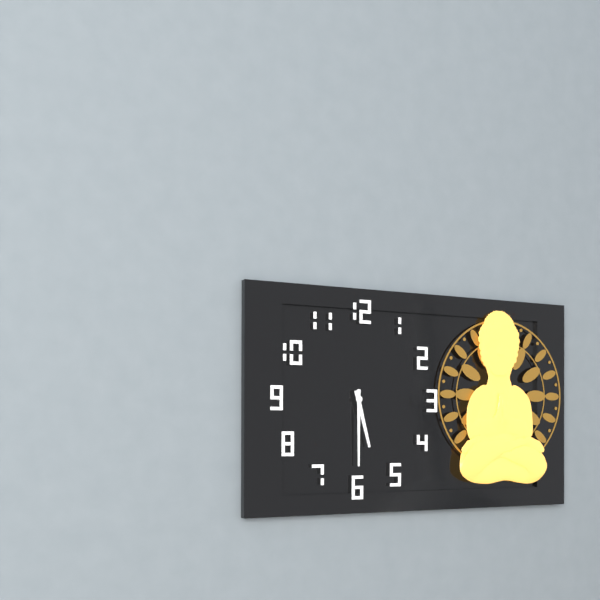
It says 5:30
